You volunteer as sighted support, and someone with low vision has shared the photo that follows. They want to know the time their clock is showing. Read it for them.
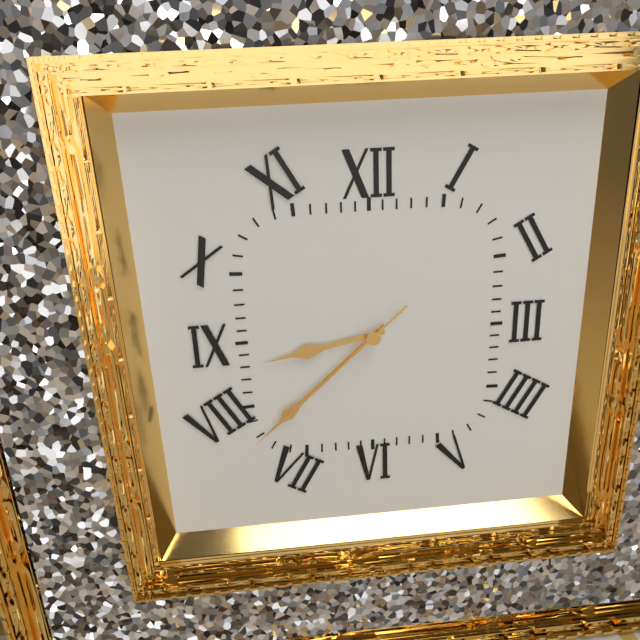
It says 8:38:38
